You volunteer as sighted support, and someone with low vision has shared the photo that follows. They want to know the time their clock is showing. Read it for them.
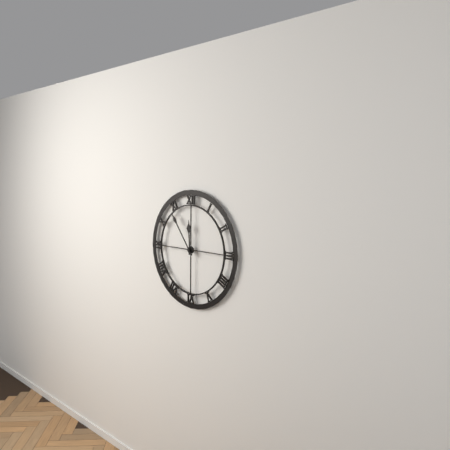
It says 11:54
